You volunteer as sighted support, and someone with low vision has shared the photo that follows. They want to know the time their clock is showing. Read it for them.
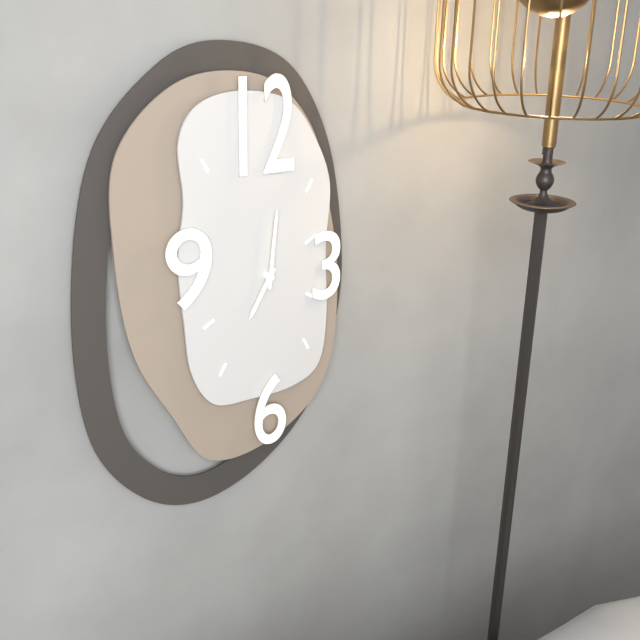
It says 7:01
